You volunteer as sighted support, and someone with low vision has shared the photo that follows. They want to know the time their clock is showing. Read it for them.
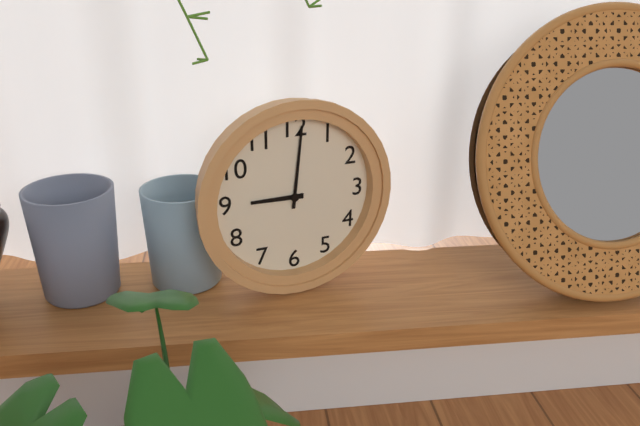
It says 9:01
